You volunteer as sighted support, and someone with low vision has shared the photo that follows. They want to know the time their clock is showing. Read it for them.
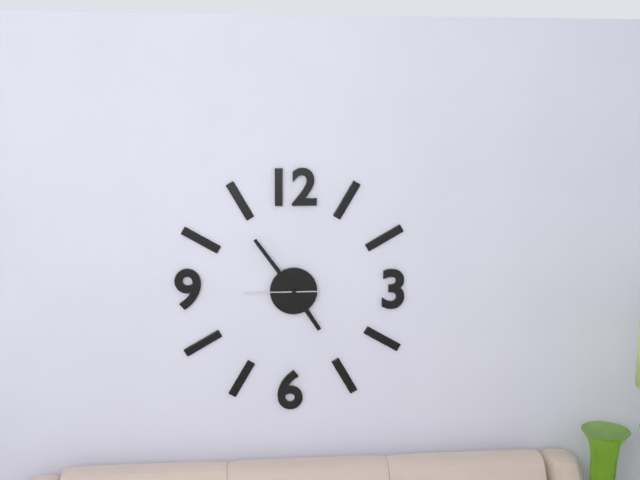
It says 4:54:45
